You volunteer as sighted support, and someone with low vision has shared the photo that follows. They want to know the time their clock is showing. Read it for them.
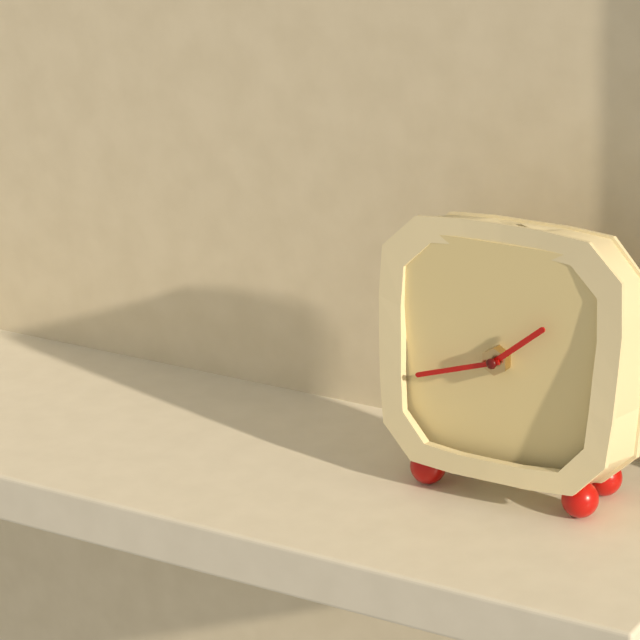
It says 1:42
